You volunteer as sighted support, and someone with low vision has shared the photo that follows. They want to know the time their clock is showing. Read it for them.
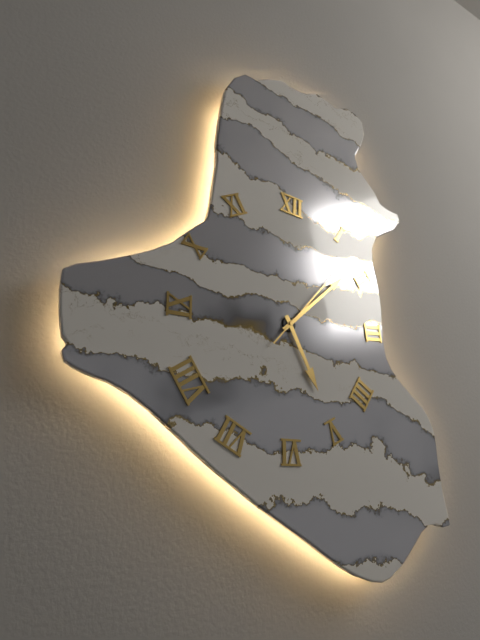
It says 5:08:07
